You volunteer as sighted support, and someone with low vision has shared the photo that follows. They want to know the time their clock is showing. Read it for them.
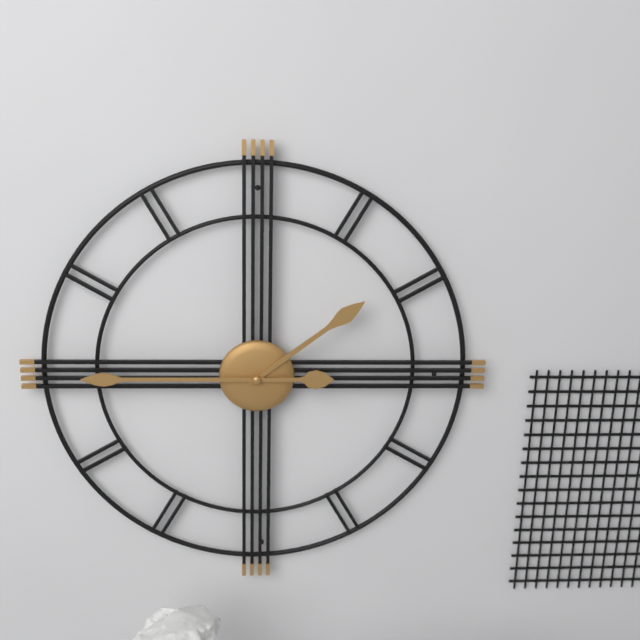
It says 1:45
